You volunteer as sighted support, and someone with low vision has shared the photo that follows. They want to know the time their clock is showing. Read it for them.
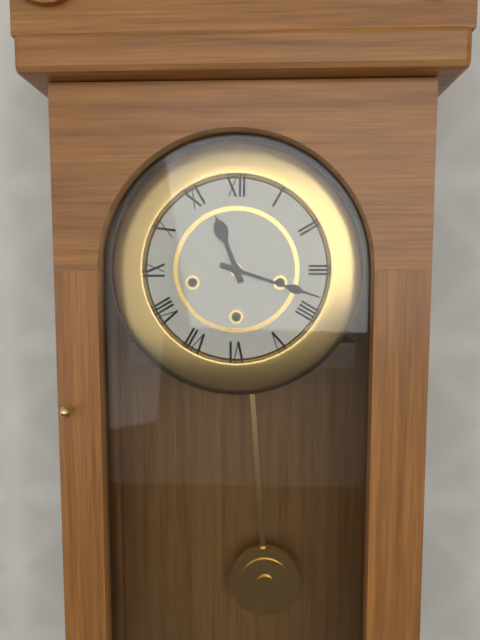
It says 11:18
